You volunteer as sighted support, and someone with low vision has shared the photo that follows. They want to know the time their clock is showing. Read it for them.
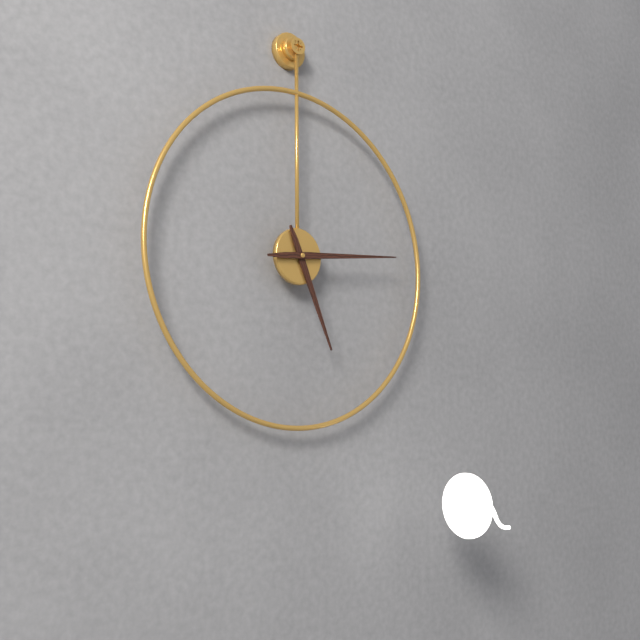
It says 5:14
